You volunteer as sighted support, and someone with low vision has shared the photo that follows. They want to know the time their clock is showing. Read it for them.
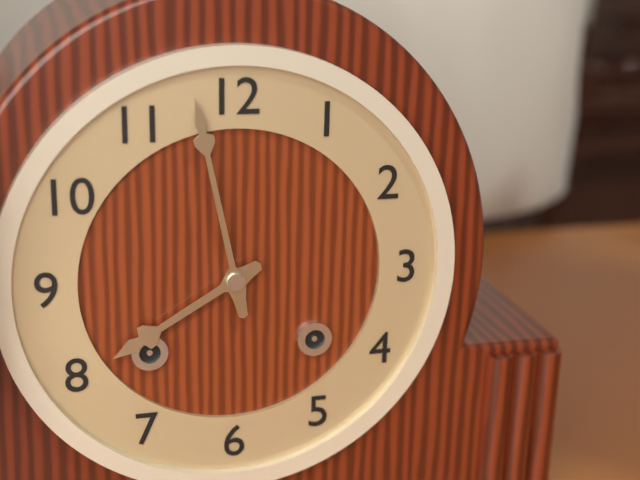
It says 7:58
